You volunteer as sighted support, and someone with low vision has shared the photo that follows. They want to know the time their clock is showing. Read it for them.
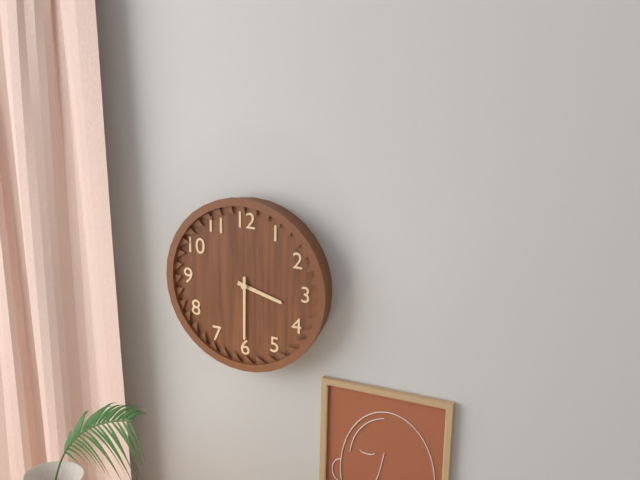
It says 3:30
